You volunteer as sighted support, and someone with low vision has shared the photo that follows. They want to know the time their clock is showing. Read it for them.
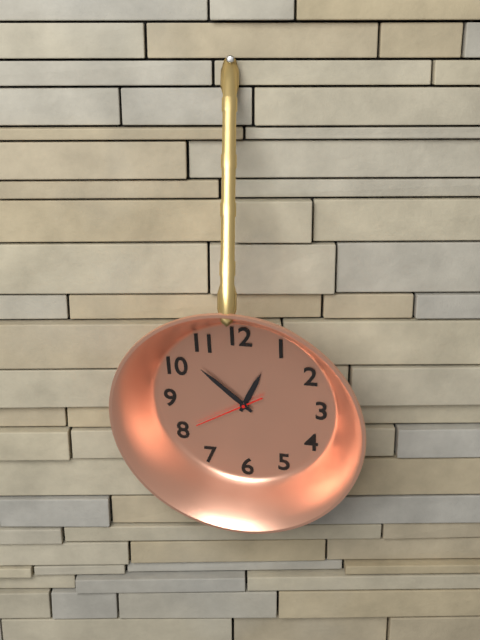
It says 12:52:40
